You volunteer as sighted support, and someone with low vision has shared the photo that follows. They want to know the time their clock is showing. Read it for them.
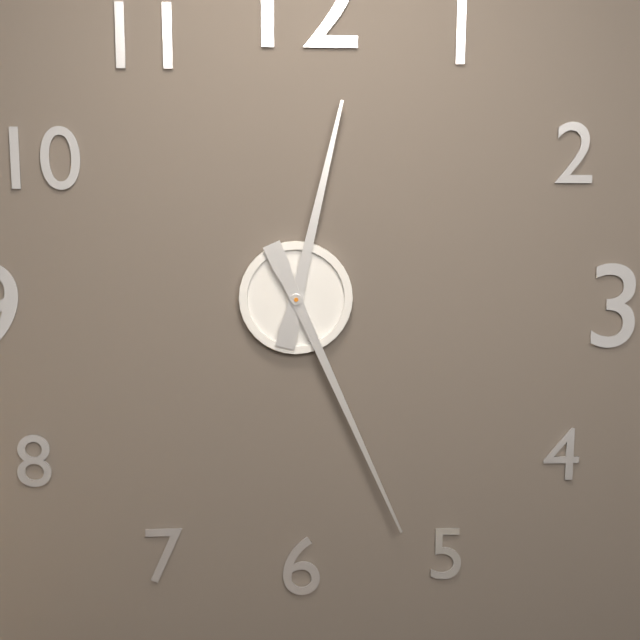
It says 12:26
